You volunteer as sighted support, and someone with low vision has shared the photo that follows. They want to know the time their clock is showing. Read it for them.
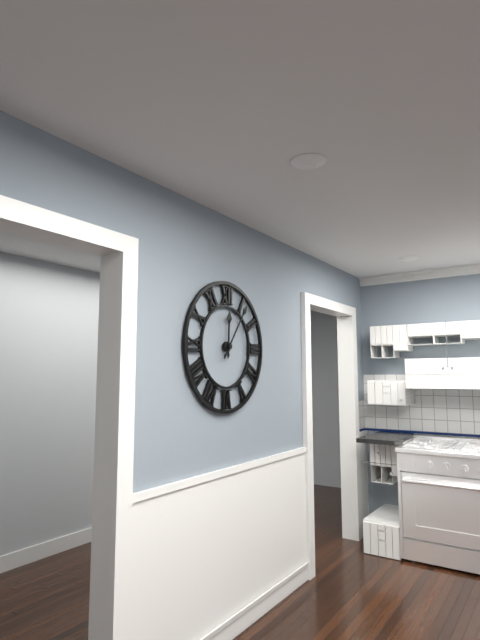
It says 12:06
